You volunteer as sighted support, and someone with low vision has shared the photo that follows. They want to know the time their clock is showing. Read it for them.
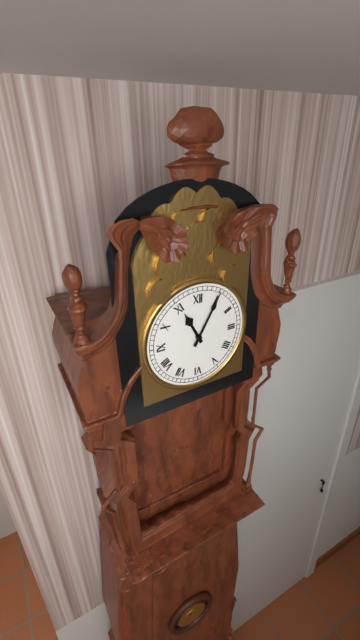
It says 11:05
